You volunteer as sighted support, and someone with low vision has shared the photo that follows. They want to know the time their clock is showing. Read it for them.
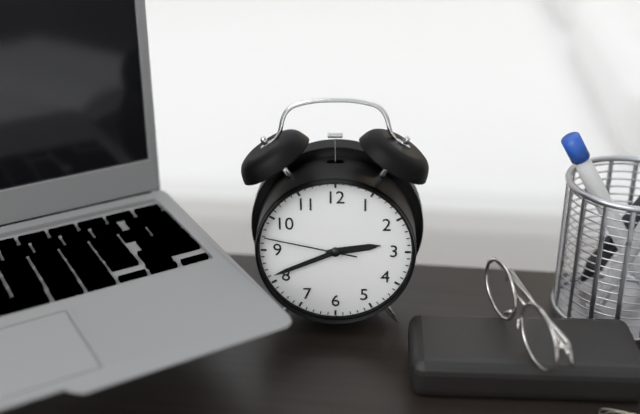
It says 2:41:47
